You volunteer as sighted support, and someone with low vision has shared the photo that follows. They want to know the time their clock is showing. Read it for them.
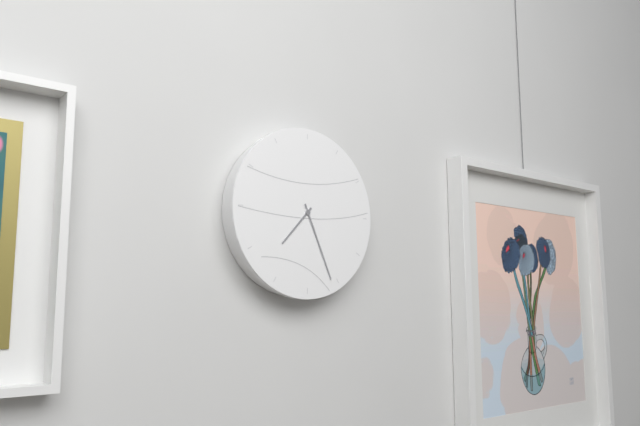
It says 7:26
